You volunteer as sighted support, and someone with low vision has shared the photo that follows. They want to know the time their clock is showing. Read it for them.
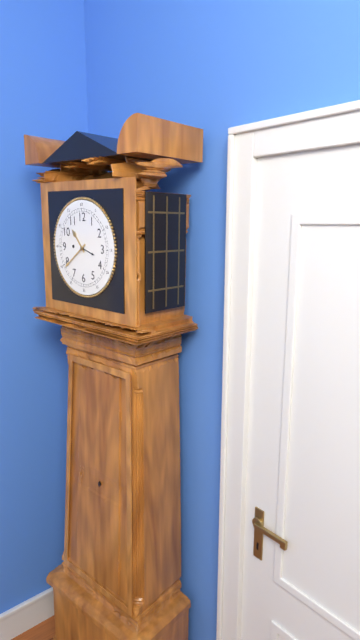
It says 10:39
